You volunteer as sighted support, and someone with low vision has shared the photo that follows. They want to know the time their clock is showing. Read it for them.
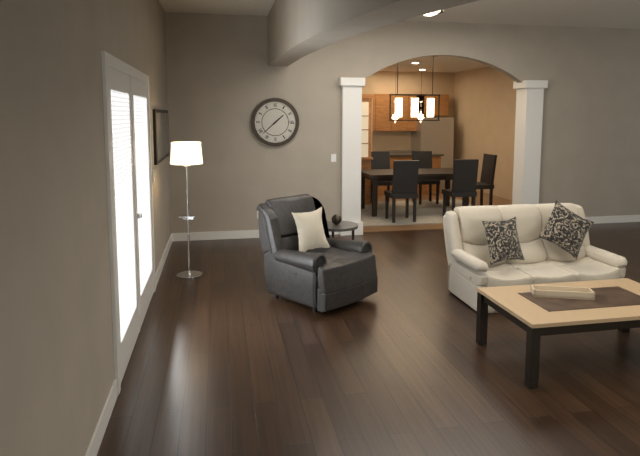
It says 1:38
